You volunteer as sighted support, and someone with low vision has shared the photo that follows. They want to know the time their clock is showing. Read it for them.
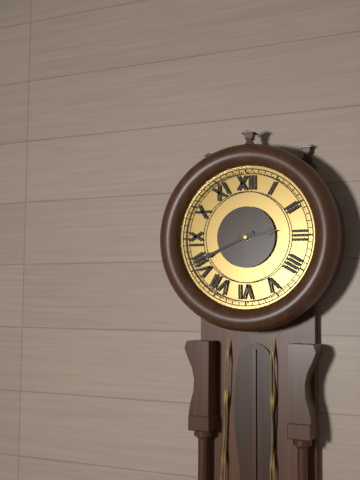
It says 2:41
